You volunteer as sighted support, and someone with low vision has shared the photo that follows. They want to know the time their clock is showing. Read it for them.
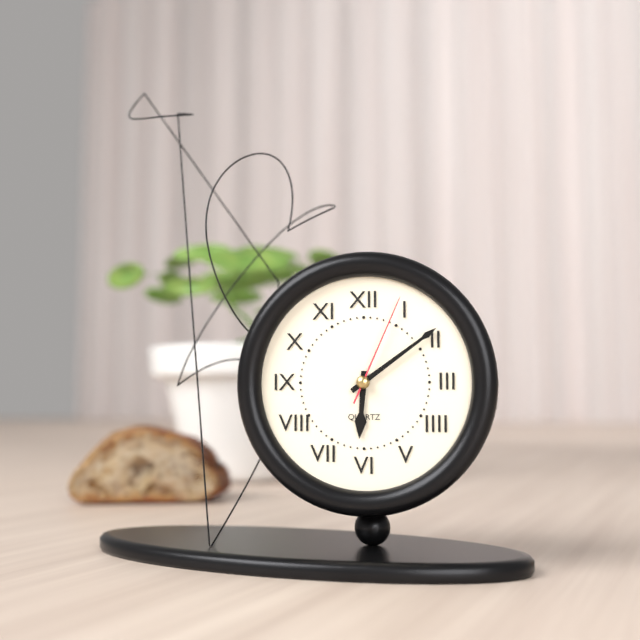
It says 6:09:04
